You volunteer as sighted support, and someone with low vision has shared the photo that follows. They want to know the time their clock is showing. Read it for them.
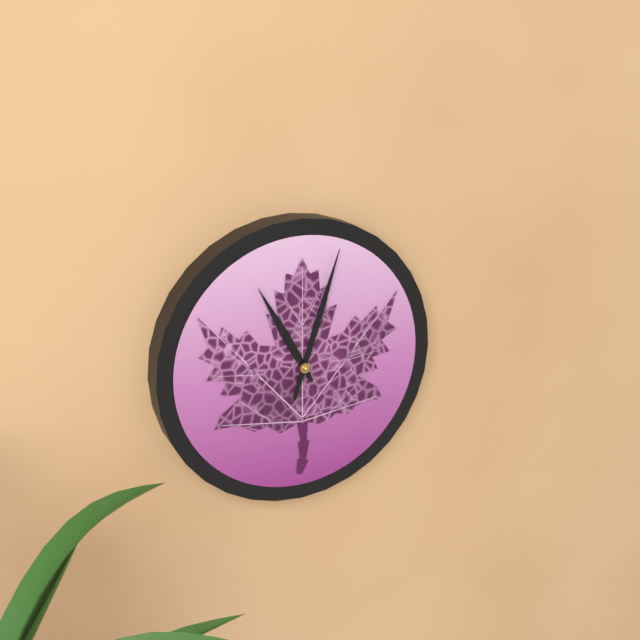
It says 11:03
